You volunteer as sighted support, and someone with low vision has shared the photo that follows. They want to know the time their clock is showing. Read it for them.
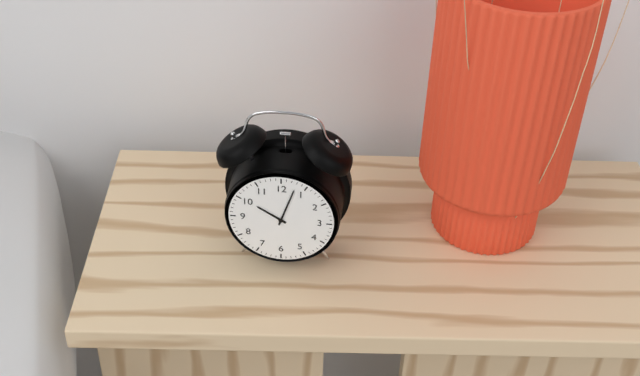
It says 10:03
